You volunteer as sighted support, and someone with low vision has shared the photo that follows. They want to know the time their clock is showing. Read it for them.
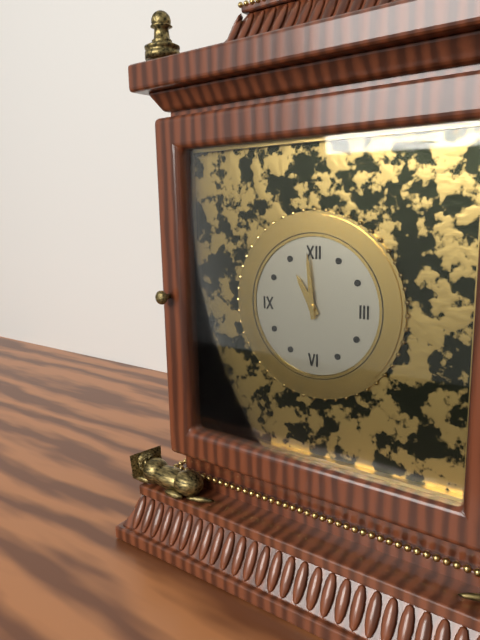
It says 10:59
